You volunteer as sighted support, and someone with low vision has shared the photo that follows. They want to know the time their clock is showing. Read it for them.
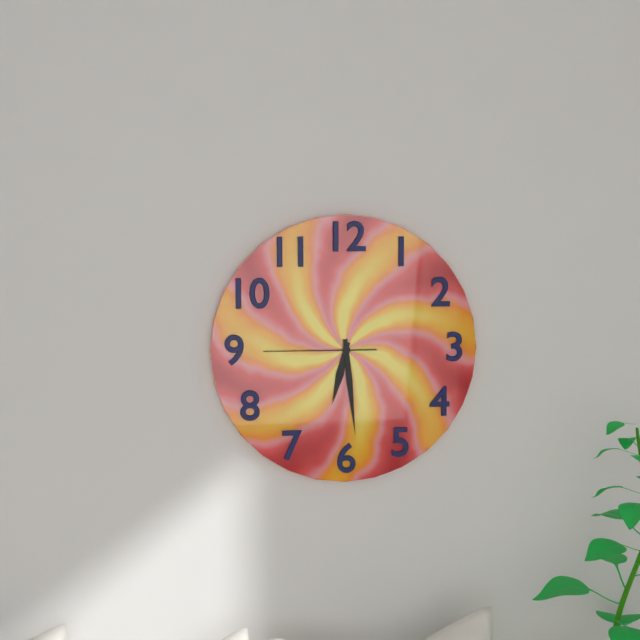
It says 6:29:45
